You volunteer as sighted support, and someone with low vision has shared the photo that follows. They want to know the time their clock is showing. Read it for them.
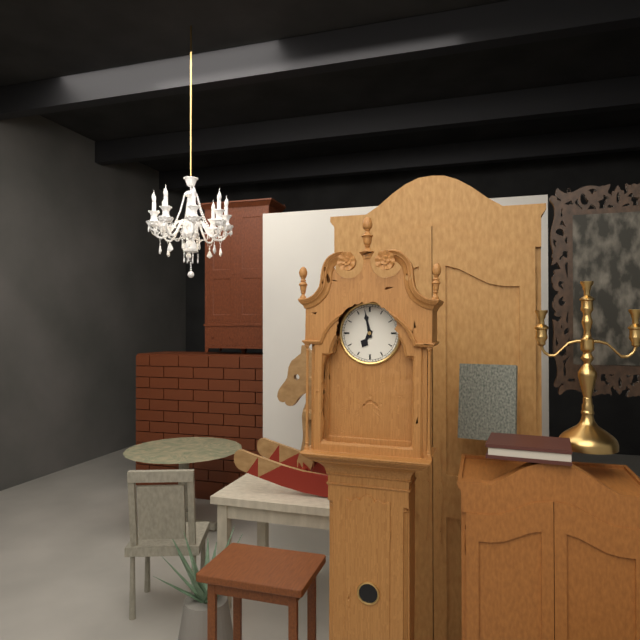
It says 6:58
